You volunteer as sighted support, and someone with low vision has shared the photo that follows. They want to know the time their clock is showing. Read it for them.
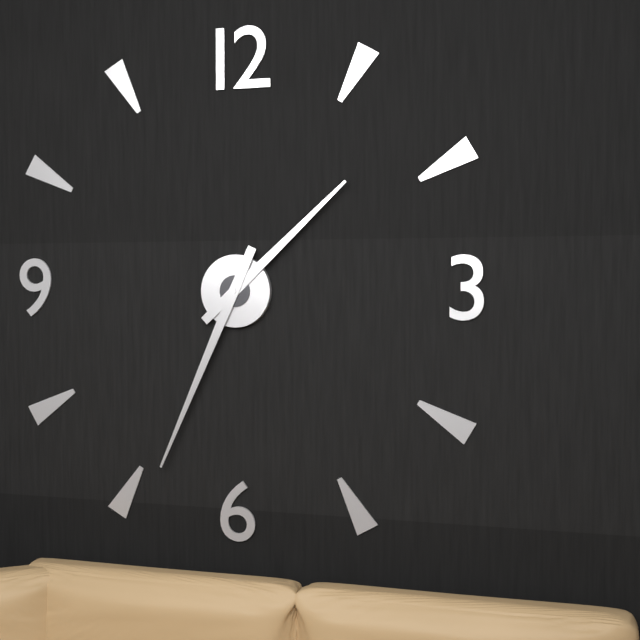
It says 1:34
